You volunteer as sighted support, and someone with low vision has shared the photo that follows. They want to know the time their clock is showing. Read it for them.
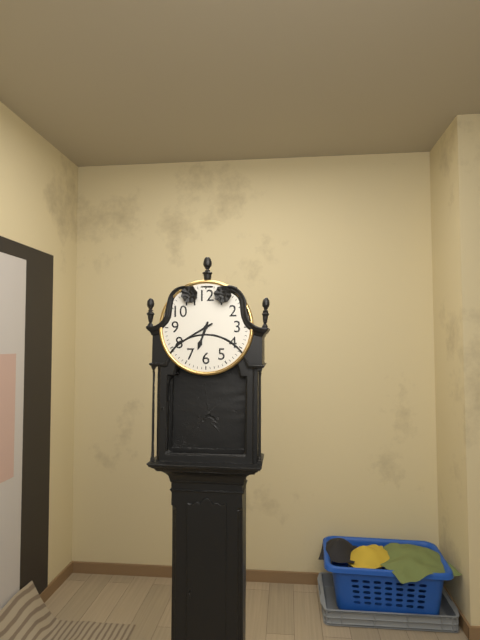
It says 6:40
